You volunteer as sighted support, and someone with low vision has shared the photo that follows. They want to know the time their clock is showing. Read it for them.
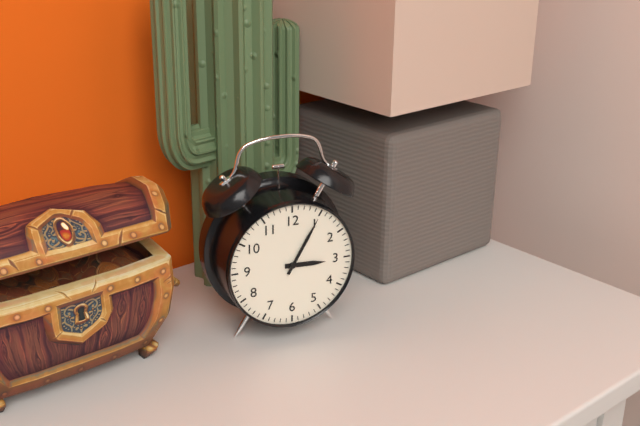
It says 3:05
